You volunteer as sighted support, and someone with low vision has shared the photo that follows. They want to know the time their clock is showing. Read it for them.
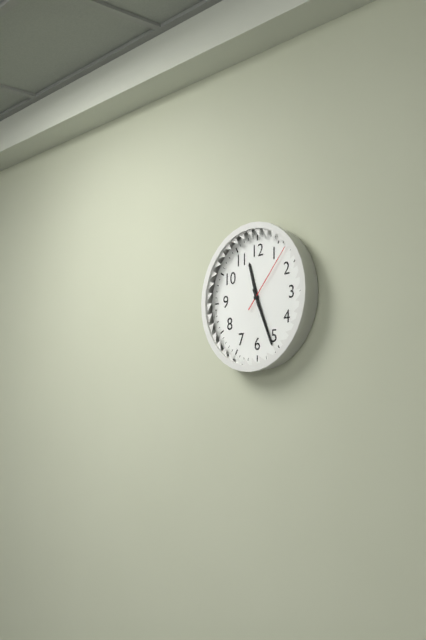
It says 11:26:07
